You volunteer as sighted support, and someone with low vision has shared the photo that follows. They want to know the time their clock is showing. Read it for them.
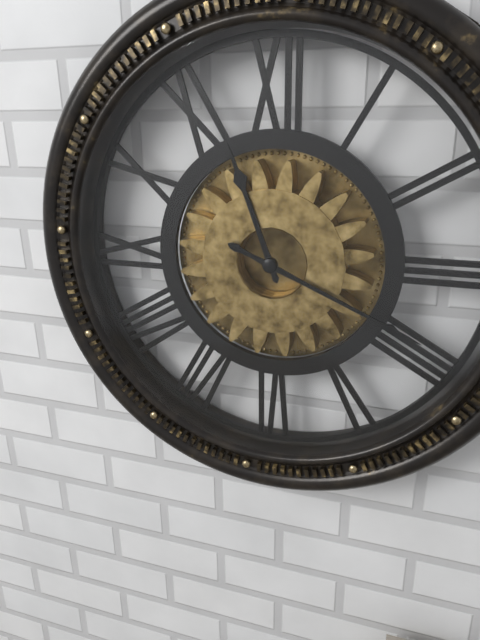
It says 11:19
